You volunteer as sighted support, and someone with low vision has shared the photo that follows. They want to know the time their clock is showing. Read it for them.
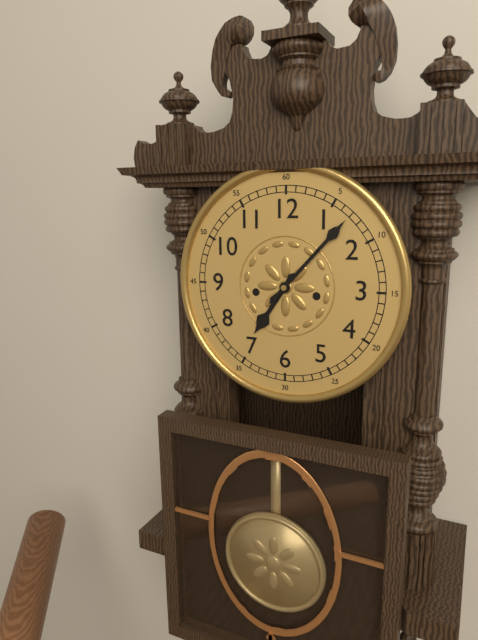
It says 7:07
